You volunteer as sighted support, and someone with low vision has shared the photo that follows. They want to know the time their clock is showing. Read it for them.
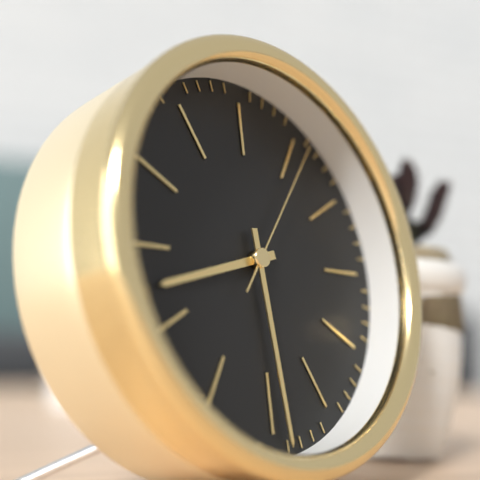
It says 8:29:06
